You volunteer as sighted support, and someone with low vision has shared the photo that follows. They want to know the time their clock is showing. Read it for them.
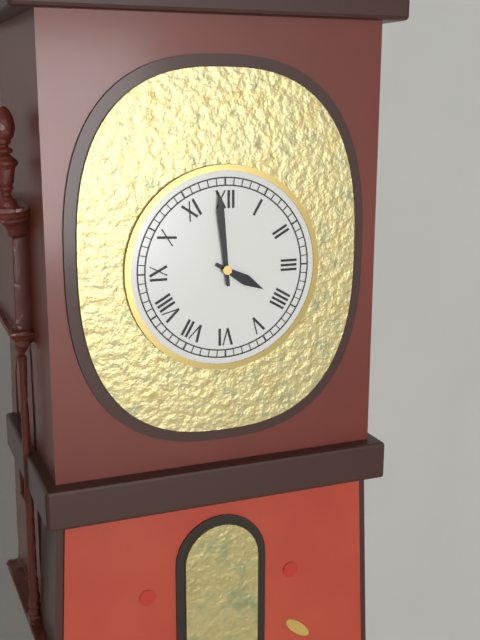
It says 3:59
